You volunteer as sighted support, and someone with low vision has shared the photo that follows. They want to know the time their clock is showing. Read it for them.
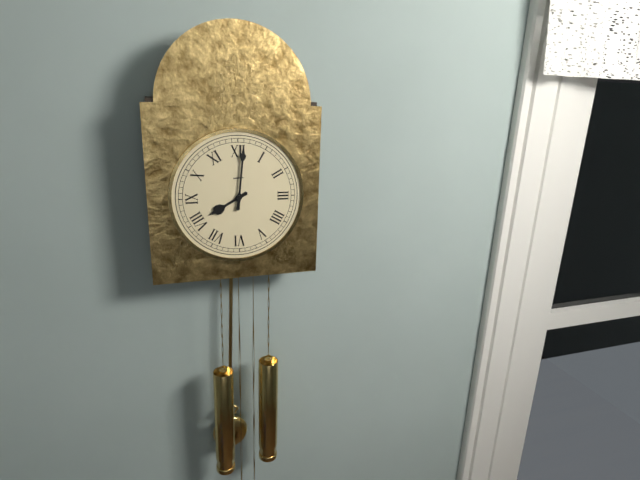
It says 8:01
